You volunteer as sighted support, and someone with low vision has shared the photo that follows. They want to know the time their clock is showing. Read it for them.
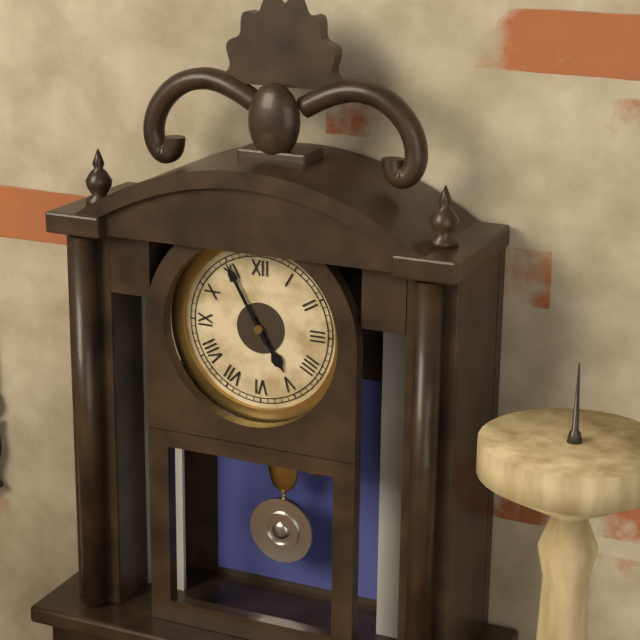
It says 4:55
